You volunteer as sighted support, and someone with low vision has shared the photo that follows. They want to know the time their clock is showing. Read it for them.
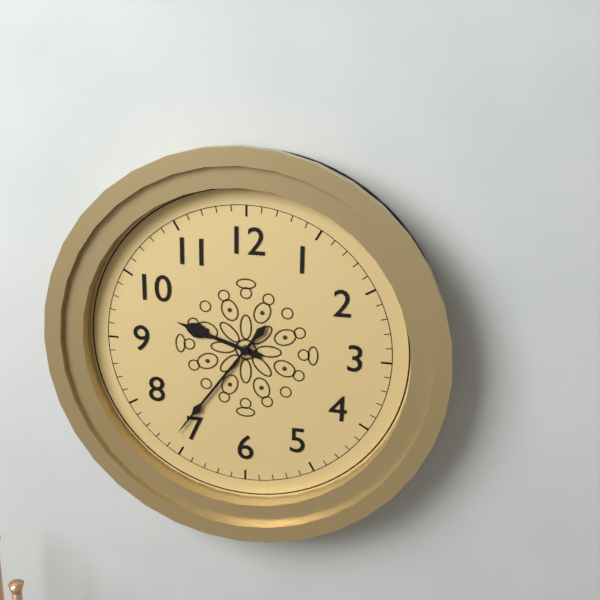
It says 9:36
